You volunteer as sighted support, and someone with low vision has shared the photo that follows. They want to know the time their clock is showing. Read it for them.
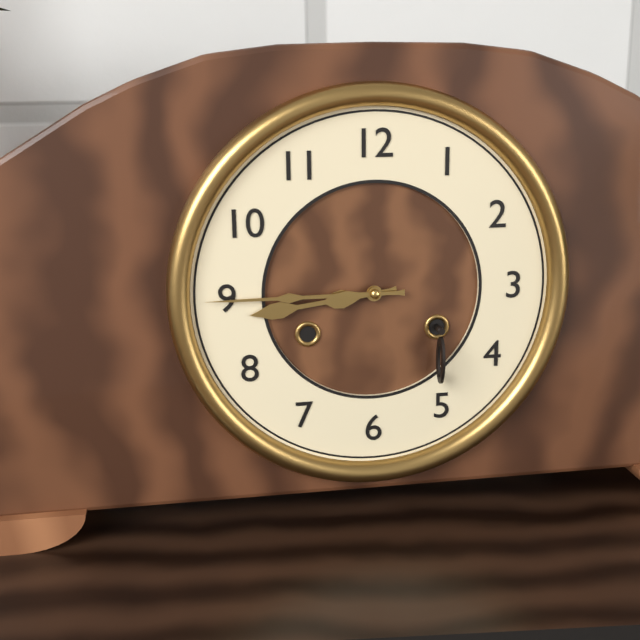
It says 8:45
